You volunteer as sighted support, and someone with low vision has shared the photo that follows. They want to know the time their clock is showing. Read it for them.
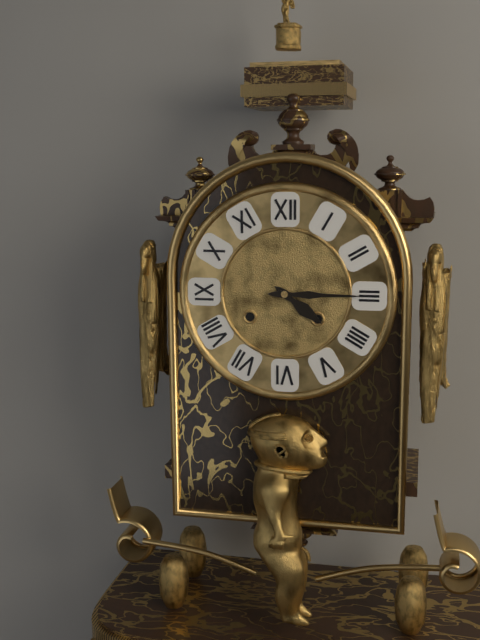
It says 4:15
